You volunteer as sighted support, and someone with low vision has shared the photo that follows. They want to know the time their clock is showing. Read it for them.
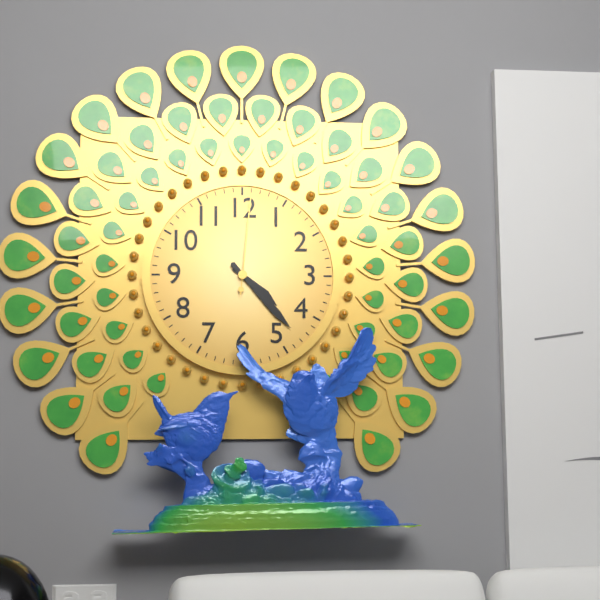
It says 4:23:01
